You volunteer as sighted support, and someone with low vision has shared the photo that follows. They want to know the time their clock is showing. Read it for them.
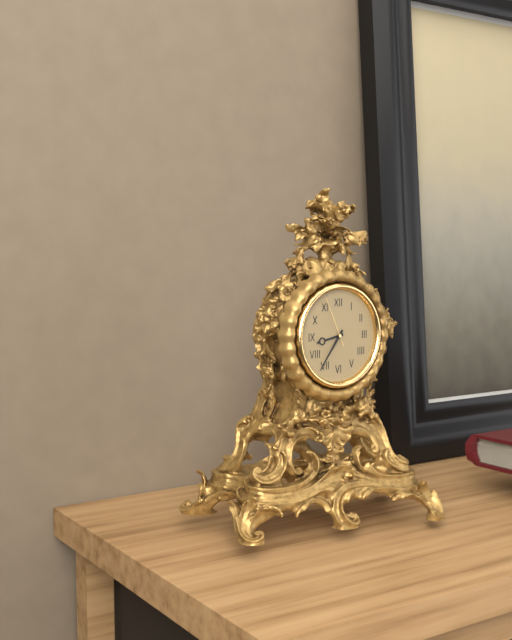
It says 8:36
